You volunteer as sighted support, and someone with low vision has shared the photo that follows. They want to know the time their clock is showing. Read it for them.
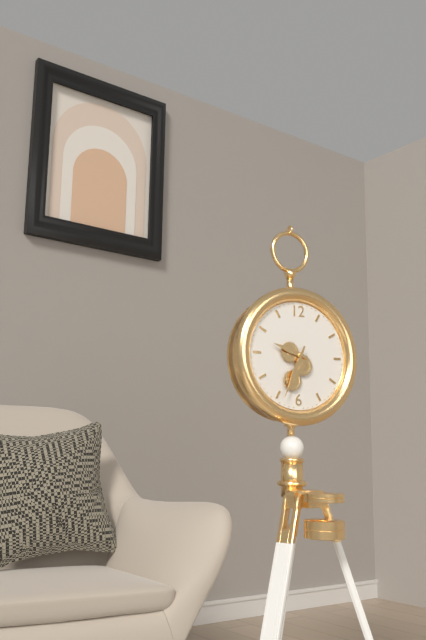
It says 9:34
